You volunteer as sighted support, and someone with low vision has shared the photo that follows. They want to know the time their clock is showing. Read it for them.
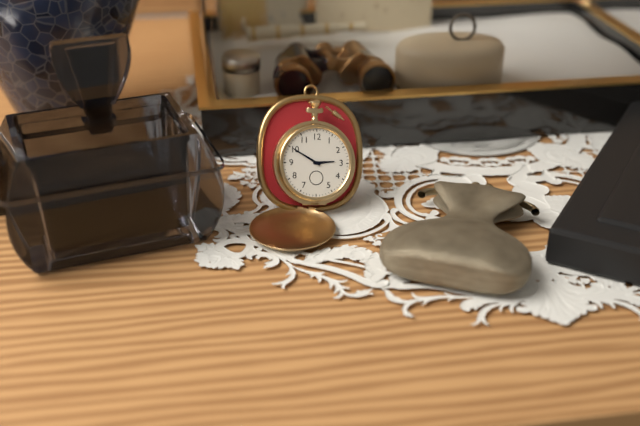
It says 2:50
